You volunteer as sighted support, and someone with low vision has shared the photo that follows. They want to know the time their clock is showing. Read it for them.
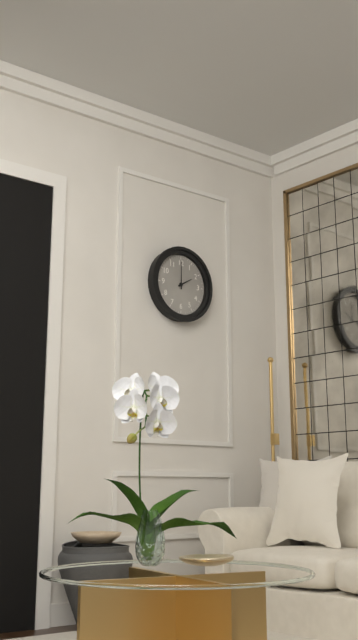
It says 2:00
